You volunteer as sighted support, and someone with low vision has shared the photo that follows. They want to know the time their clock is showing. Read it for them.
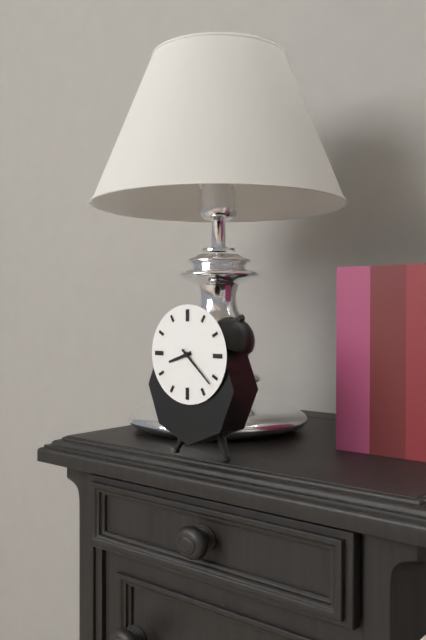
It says 8:22
